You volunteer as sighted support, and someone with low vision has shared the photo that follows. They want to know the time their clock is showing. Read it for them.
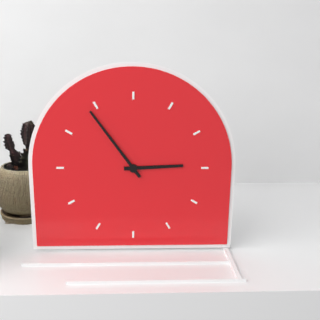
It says 2:54
